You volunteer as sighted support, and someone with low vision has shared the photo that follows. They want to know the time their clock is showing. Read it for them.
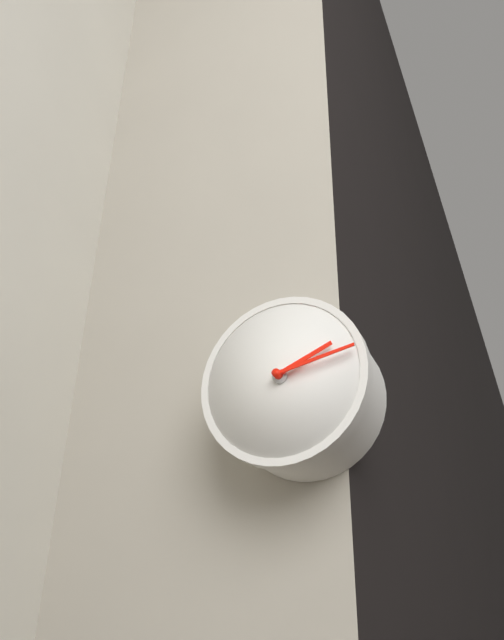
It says 2:13
